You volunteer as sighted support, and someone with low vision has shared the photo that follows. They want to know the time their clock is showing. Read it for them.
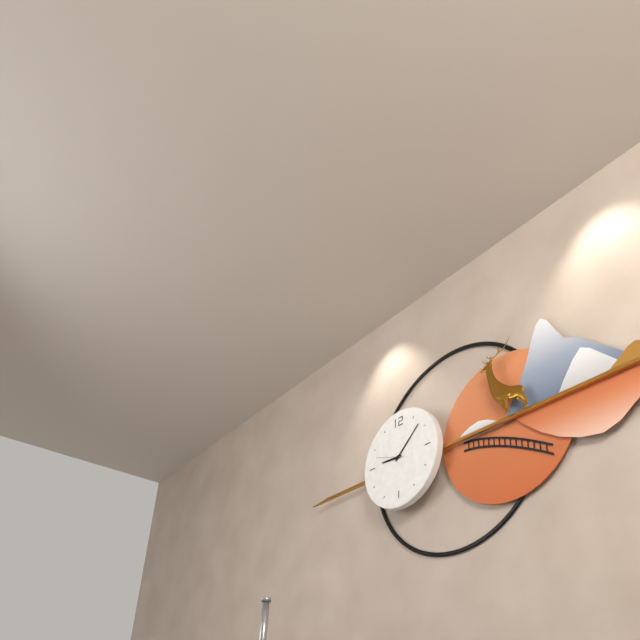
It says 9:08
